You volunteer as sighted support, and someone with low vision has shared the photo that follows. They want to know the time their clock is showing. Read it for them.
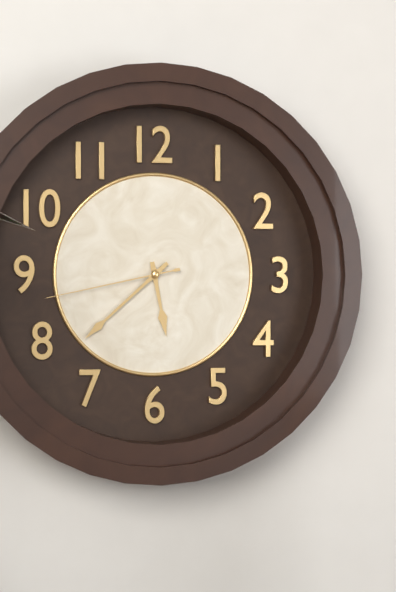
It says 5:38:43
